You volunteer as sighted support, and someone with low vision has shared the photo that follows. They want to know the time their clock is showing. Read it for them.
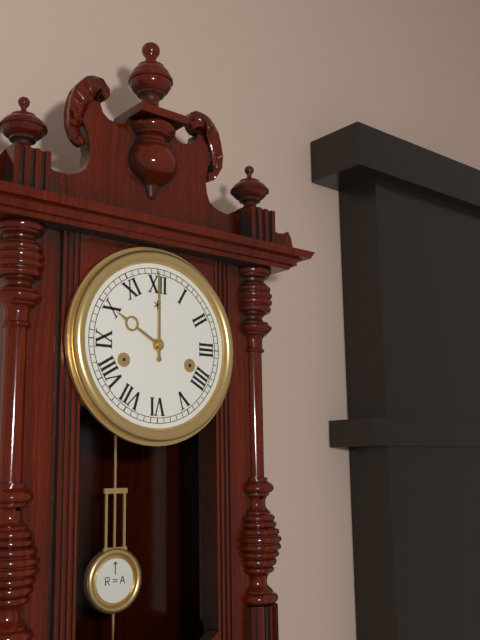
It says 10:00
